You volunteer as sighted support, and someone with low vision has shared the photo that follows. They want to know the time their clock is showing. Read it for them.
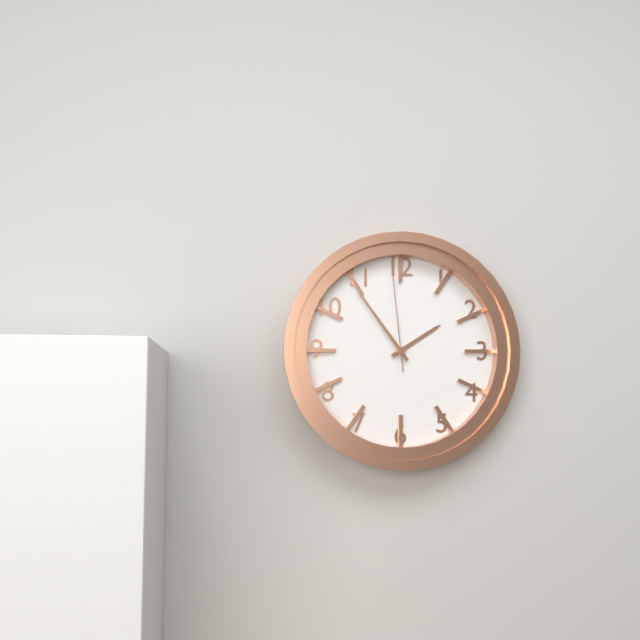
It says 1:54:59
